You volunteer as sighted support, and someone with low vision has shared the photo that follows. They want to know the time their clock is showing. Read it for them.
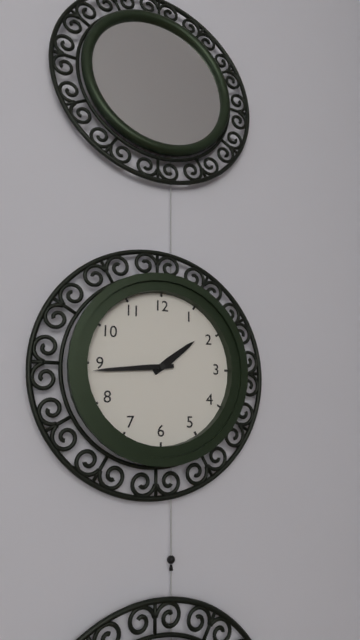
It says 1:44
